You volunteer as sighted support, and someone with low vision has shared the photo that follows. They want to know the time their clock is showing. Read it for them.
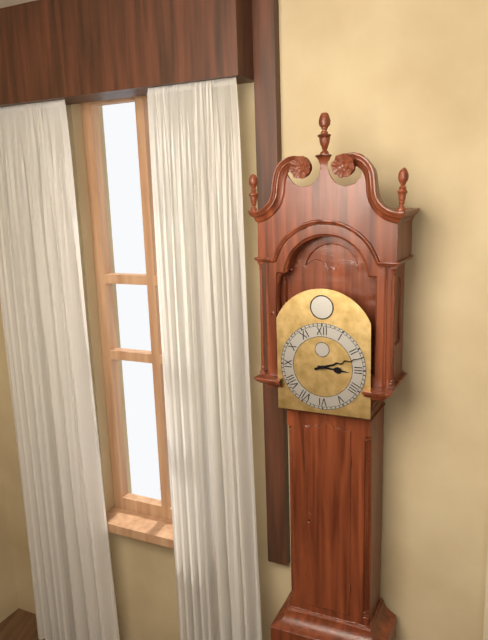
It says 3:12
